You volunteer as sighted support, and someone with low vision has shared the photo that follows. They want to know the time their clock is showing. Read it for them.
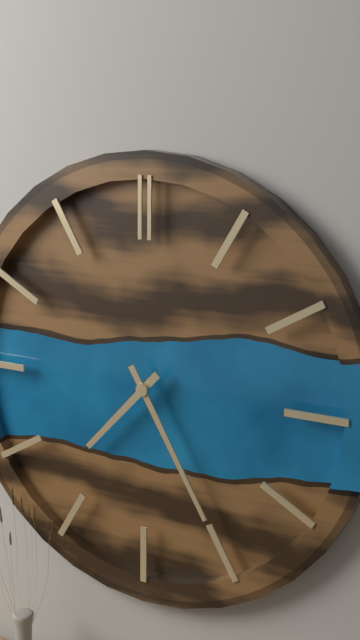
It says 7:25
